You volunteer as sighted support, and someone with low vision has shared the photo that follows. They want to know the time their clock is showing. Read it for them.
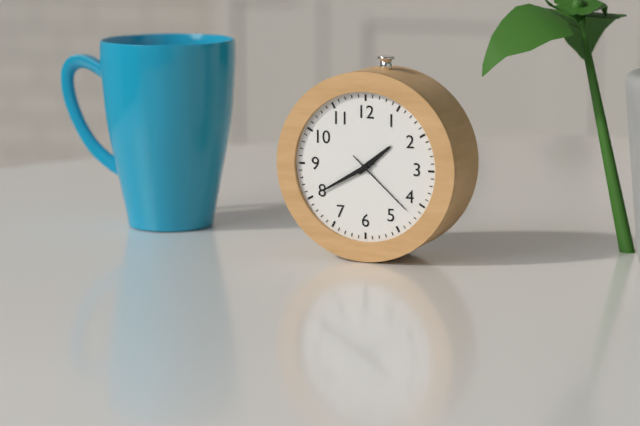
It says 1:40:22
